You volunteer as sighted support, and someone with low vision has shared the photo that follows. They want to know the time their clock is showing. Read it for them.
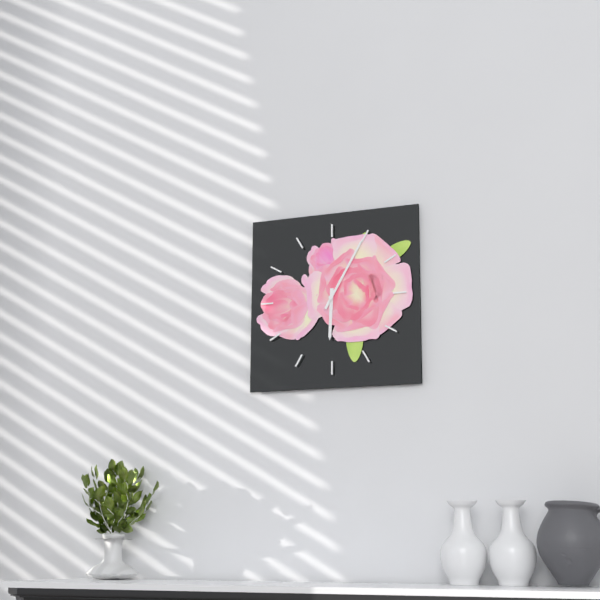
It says 6:05
